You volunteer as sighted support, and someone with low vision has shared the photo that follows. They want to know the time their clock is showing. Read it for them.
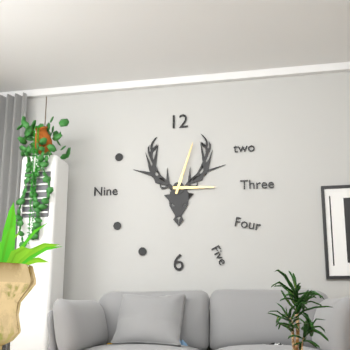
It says 3:03
